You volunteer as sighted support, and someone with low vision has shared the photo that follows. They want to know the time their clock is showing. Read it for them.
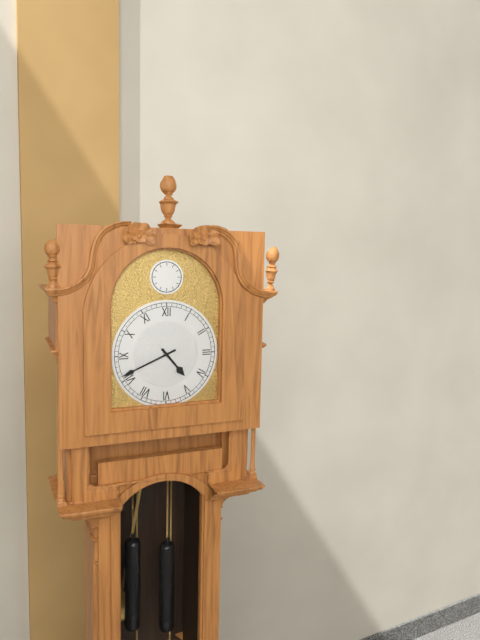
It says 4:41
